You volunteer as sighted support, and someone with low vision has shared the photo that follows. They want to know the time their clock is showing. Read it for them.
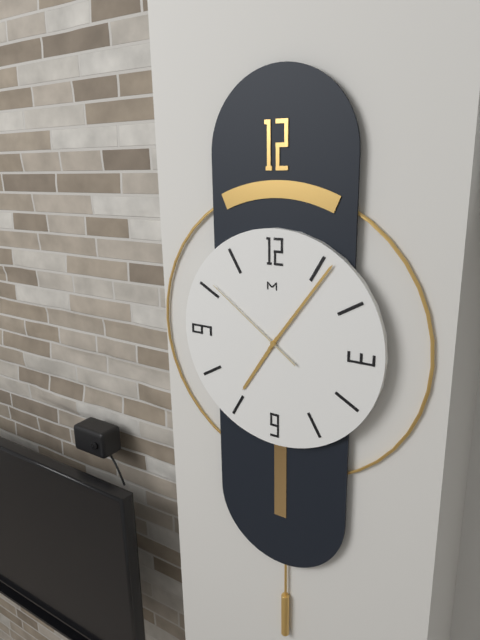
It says 7:06:51
